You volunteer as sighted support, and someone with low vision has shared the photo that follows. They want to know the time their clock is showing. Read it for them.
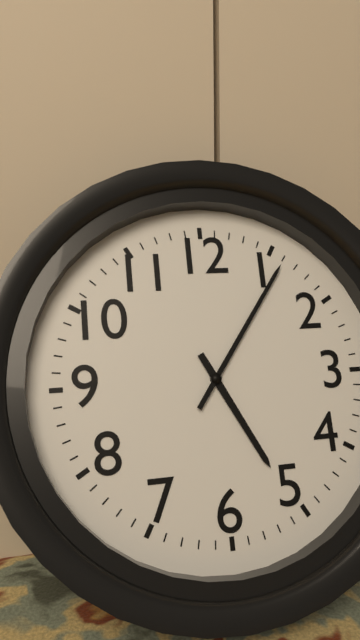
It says 5:06
